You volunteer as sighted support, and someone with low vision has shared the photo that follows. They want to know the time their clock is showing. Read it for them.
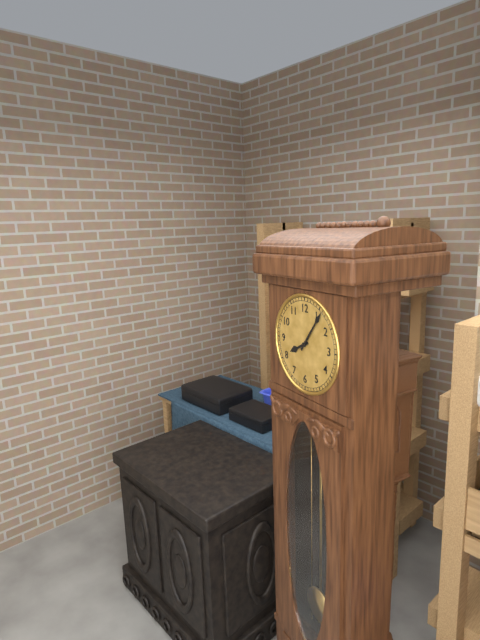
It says 8:06
